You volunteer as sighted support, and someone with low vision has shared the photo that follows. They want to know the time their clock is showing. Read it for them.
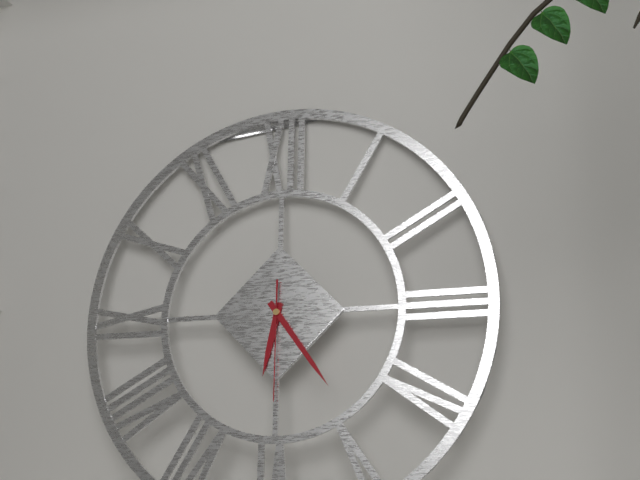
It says 6:24:30
